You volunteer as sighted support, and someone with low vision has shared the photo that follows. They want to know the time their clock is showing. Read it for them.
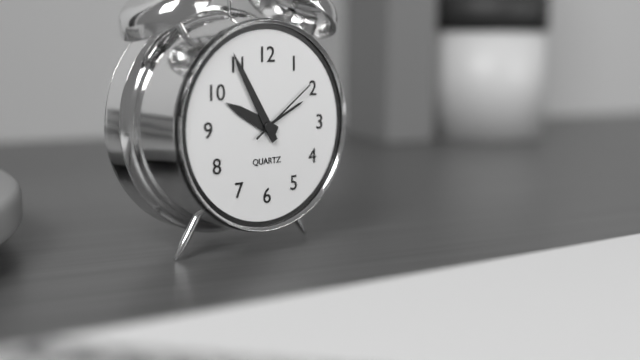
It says 9:55:09
